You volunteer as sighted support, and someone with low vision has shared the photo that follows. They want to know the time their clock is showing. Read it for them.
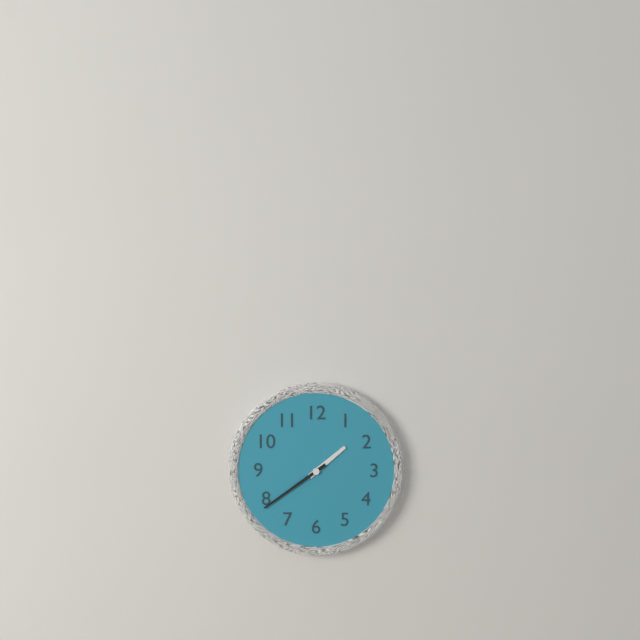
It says 1:39
